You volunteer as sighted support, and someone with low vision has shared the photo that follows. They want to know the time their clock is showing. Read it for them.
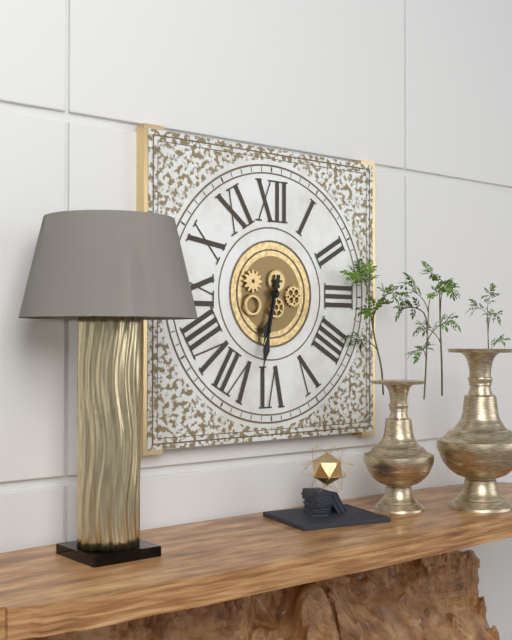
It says 6:32
